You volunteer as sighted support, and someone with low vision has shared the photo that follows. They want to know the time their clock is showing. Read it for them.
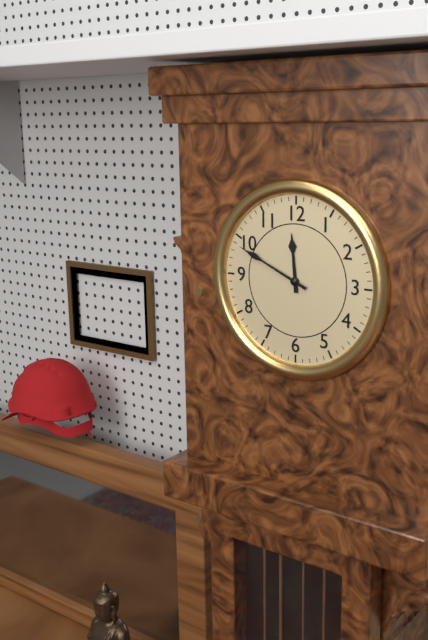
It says 11:49
